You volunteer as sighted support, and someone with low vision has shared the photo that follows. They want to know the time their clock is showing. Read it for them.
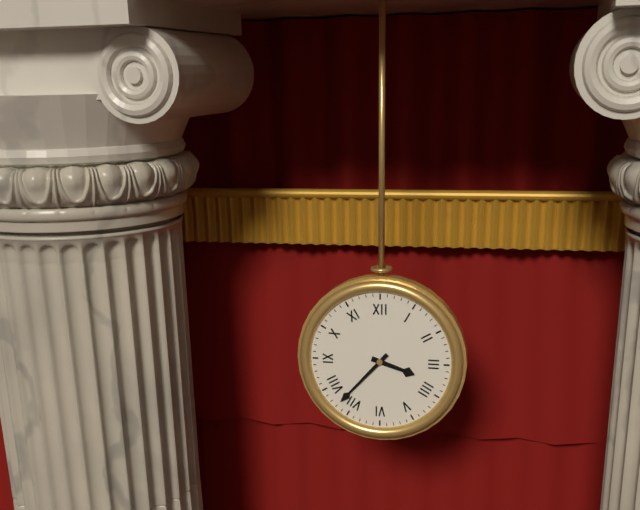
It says 3:37
